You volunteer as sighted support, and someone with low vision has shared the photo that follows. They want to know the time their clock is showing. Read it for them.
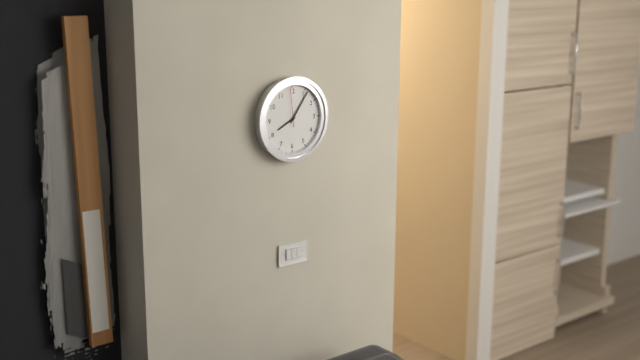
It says 8:06
